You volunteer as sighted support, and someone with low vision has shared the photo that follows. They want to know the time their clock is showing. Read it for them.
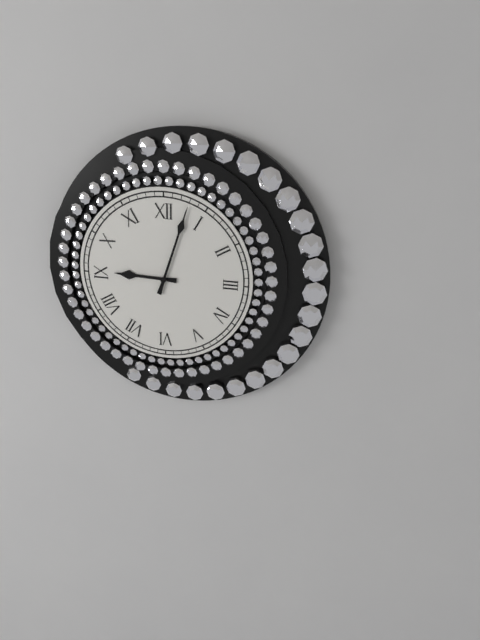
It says 9:03
